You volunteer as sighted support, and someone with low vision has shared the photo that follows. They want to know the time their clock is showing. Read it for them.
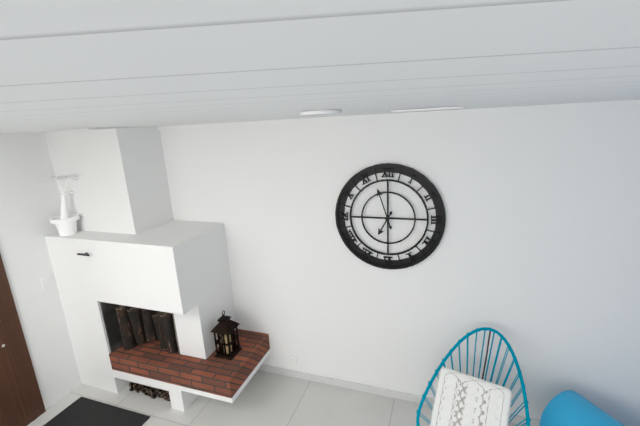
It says 6:57
